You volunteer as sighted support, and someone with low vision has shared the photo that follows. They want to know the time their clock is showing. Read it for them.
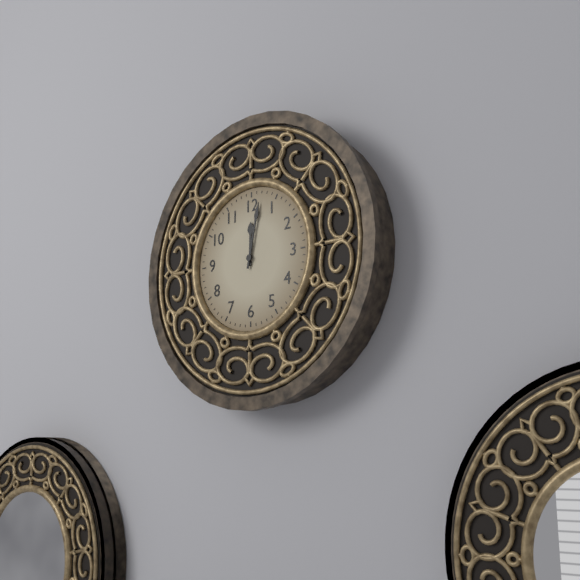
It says 12:02
